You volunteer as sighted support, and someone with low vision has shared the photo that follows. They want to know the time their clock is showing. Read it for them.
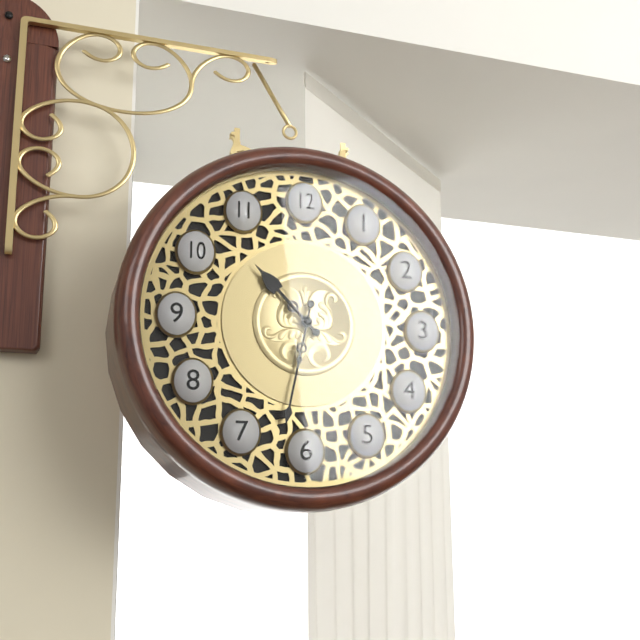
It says 10:32
